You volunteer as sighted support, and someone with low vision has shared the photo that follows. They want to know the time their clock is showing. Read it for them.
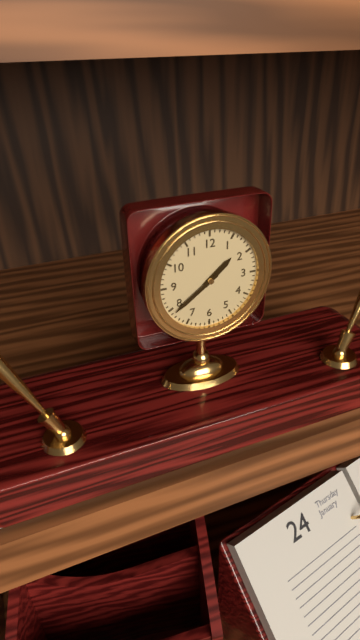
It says 1:39
